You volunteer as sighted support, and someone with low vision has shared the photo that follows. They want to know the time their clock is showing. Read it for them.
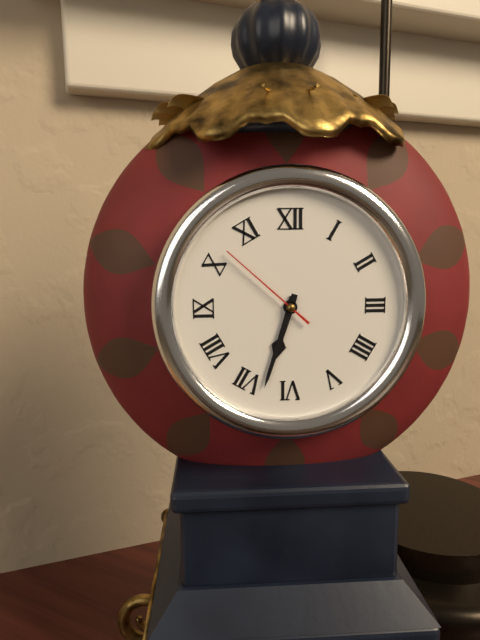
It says 6:33:52
